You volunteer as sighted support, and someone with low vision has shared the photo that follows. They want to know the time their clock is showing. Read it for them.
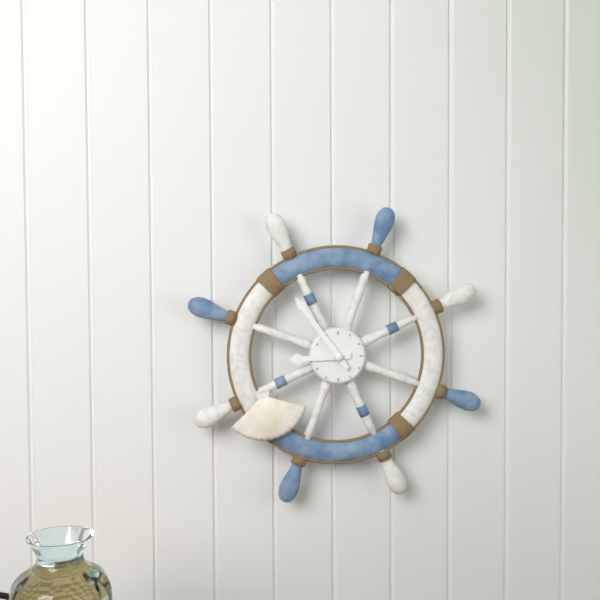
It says 8:54
